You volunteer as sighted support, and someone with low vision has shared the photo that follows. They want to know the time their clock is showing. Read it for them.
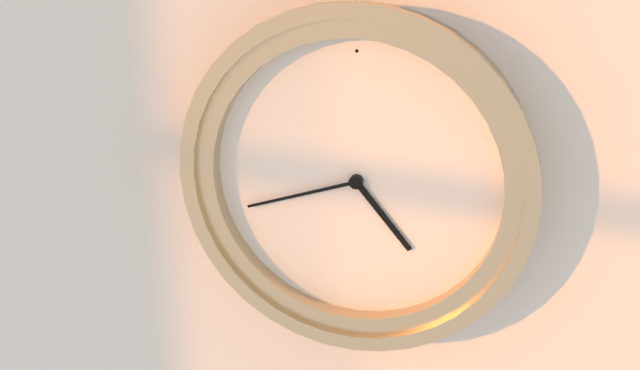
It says 4:42
